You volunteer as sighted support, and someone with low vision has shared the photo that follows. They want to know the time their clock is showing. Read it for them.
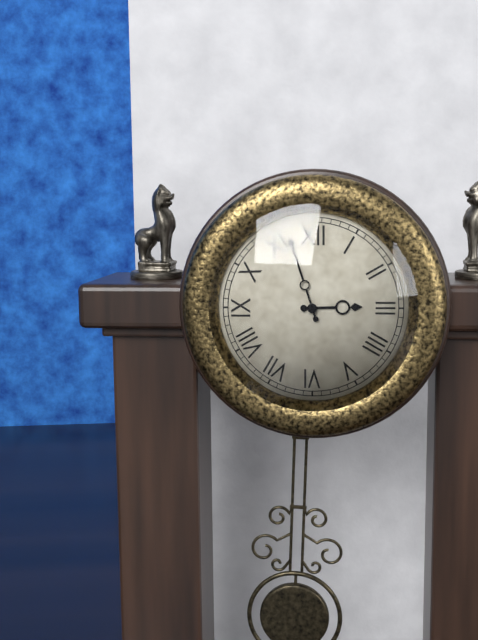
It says 2:57
